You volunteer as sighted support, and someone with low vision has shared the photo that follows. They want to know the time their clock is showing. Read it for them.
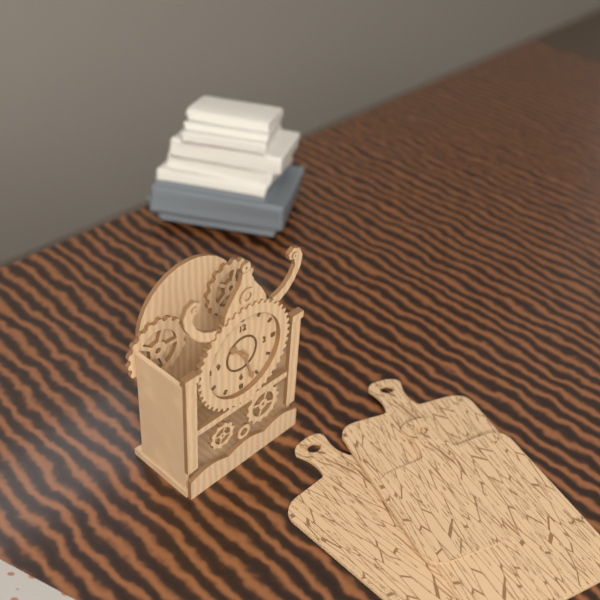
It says 10:27
